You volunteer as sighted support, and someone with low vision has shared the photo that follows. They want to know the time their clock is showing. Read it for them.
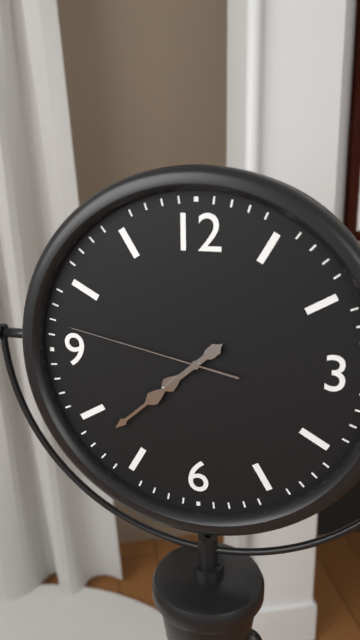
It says 7:38:47
